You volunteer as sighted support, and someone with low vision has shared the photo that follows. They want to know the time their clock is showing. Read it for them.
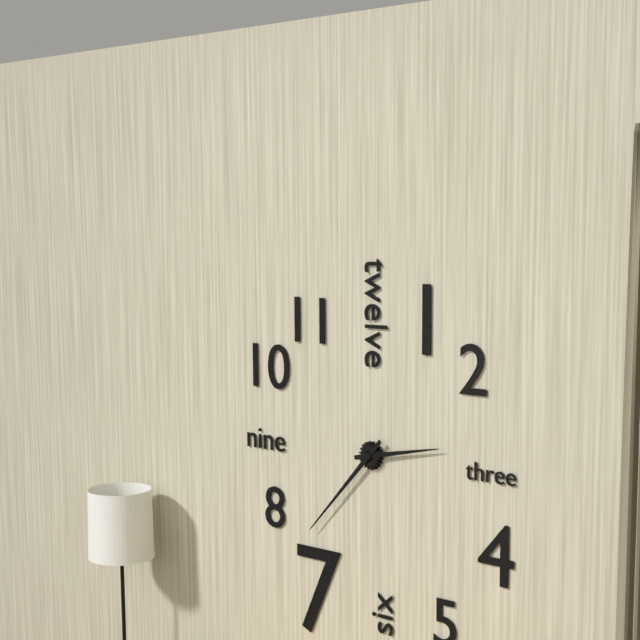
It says 2:37
